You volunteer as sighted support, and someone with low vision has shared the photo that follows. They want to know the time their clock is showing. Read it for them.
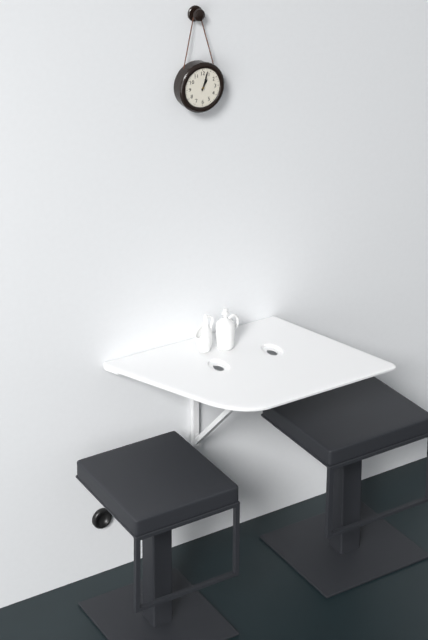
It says 1:03
